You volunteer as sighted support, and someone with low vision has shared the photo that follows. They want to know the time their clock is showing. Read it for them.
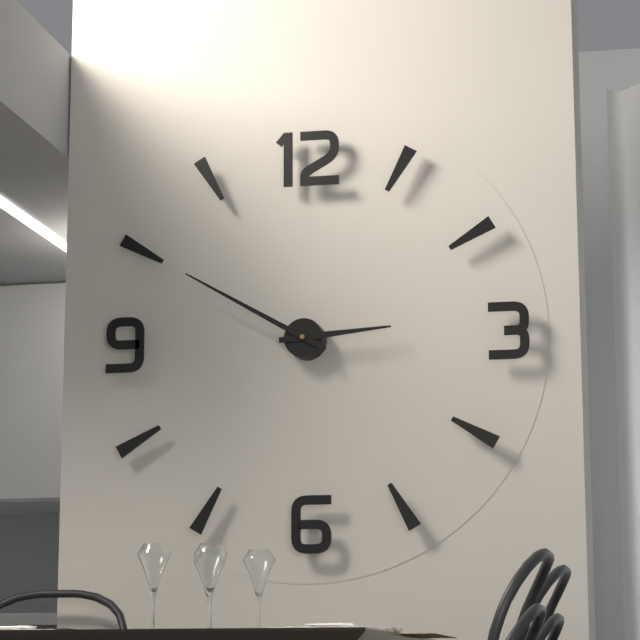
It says 2:50
